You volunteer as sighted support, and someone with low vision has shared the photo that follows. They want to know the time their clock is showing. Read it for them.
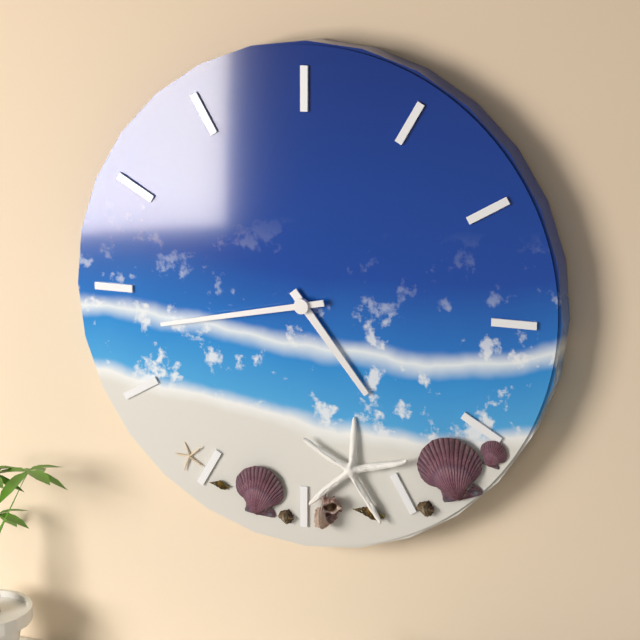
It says 4:43
